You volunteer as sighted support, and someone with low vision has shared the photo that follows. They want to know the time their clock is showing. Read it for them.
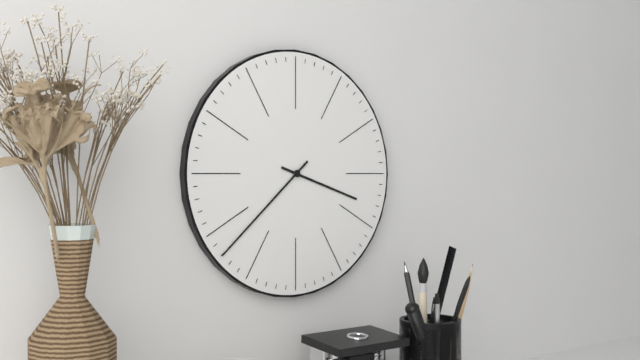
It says 3:38
